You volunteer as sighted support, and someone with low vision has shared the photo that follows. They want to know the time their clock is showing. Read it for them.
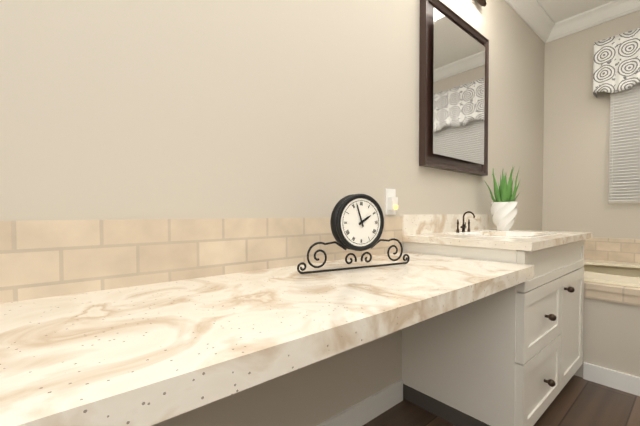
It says 1:57
